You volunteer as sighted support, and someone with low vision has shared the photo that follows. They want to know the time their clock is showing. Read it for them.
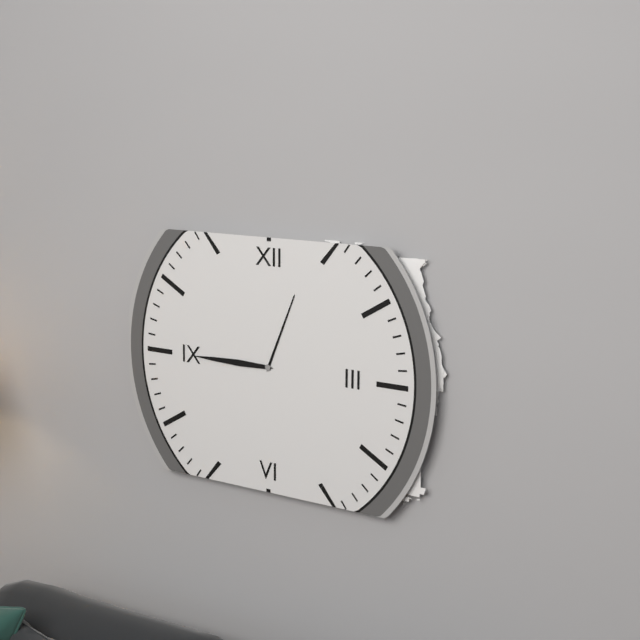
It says 12:45
